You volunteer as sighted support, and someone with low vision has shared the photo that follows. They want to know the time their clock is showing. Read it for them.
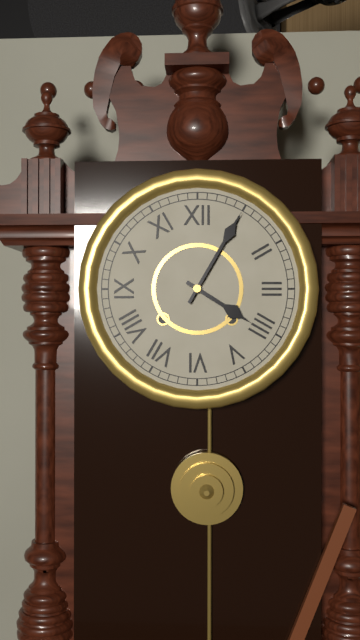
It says 4:05
